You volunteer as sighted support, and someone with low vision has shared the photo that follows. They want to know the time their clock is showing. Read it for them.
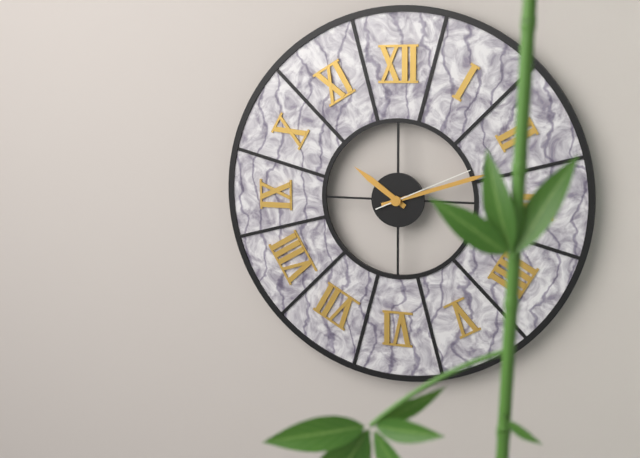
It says 10:12:11
